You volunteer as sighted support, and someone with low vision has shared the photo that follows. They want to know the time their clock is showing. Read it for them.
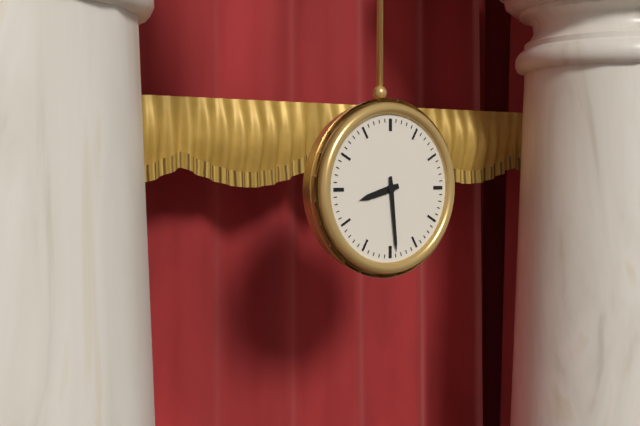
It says 8:29
